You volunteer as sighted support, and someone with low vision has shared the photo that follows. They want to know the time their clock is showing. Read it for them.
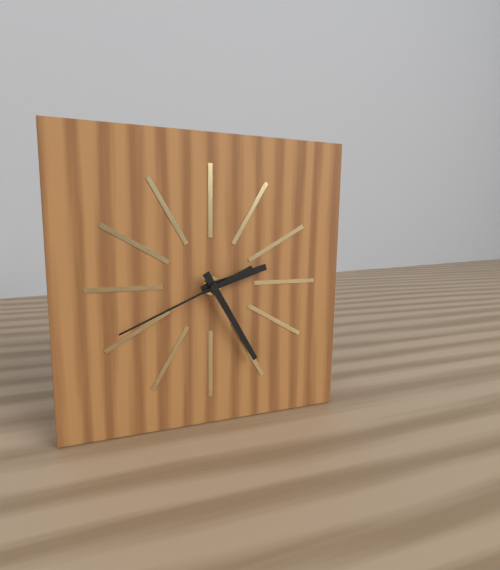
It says 2:25:41
